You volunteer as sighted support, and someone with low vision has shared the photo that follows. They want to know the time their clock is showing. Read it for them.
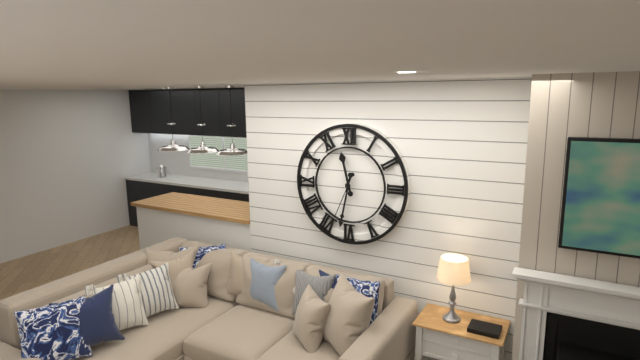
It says 11:32
